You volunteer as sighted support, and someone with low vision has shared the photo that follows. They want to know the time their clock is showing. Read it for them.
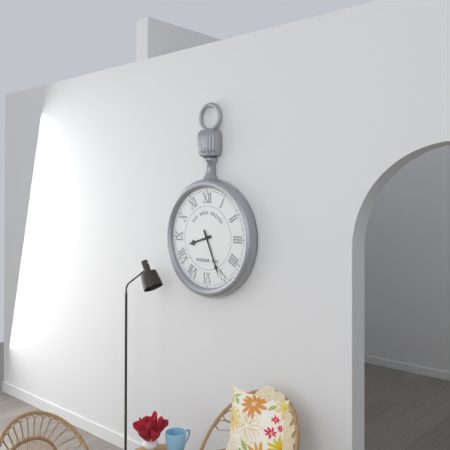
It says 8:26
